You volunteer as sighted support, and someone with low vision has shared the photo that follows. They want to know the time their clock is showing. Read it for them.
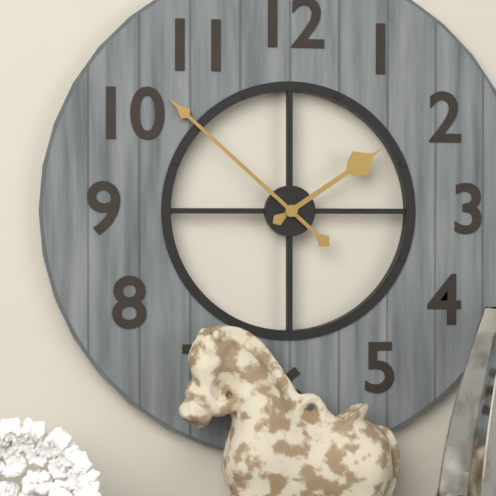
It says 1:52
